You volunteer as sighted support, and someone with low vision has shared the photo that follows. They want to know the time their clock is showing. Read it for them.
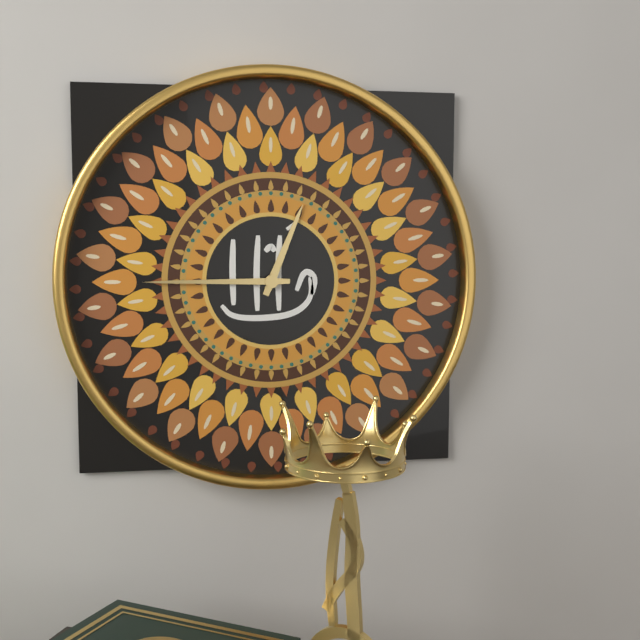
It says 12:45
